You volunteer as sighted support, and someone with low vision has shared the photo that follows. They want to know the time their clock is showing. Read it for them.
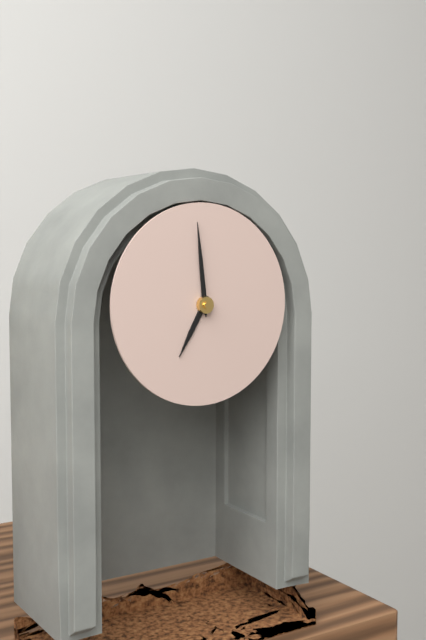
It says 6:59
